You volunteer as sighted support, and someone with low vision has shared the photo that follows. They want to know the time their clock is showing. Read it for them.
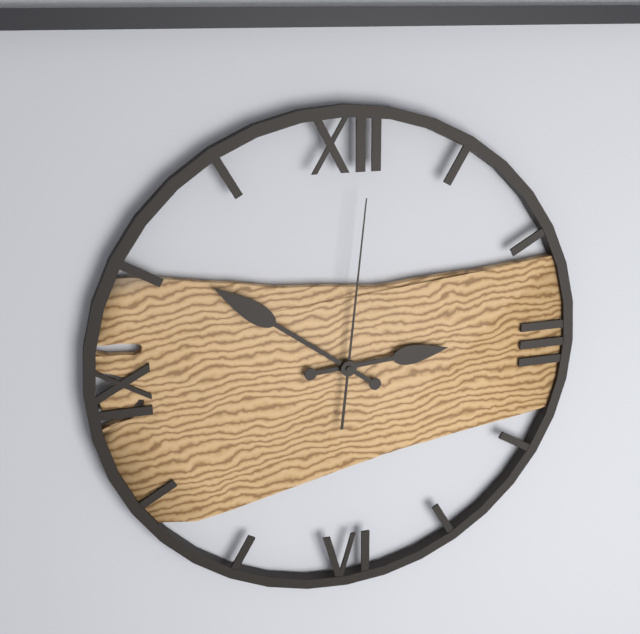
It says 2:51:01
